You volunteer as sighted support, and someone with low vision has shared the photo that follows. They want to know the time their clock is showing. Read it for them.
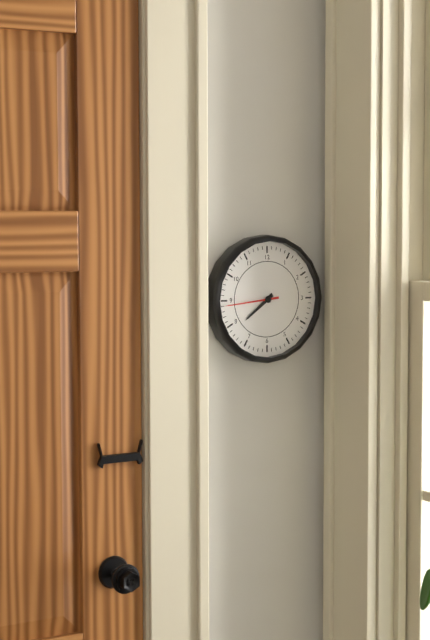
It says 7:44
